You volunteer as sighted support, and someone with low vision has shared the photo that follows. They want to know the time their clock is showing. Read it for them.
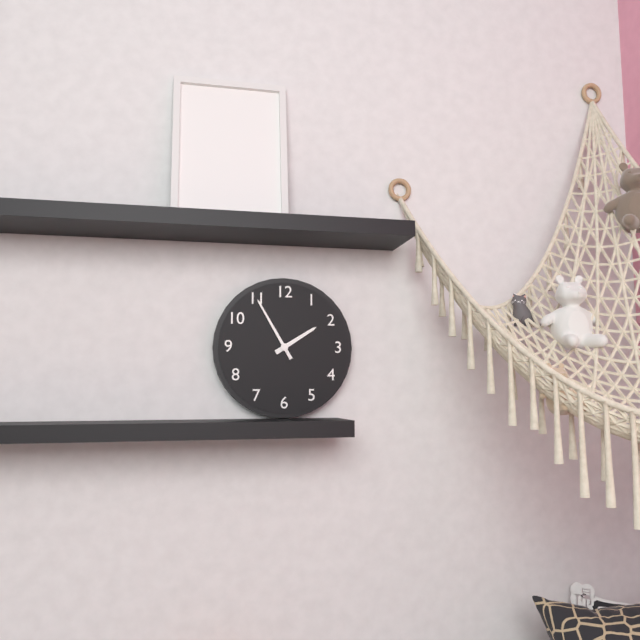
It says 1:55
